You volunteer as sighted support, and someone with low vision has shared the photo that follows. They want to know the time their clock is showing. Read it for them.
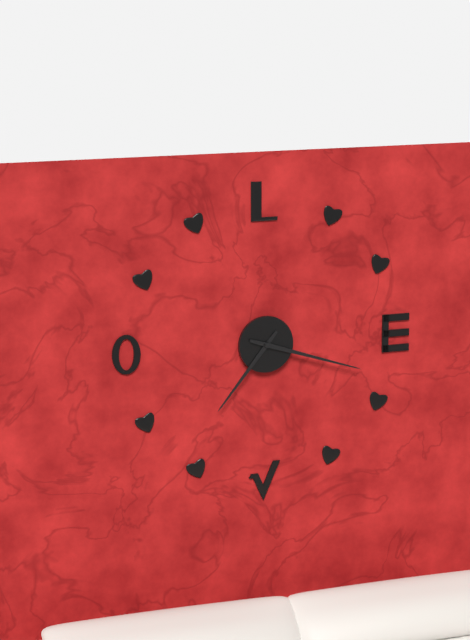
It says 7:18
